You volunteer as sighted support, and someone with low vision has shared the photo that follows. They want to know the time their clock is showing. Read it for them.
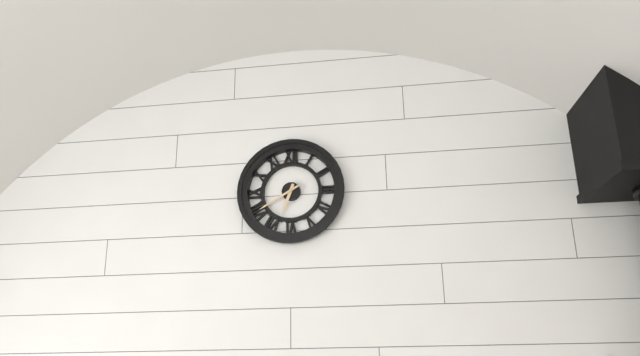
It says 6:40
